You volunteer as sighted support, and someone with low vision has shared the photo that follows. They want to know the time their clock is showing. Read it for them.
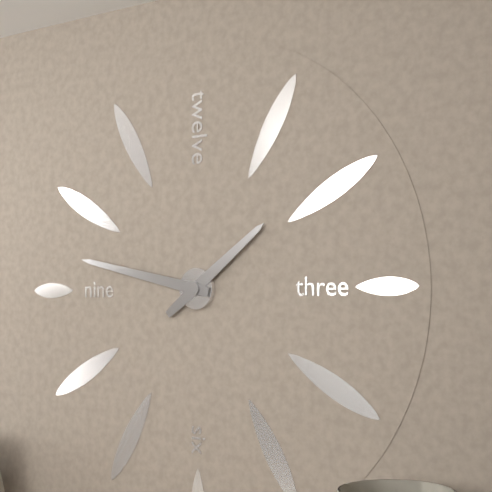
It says 1:47
